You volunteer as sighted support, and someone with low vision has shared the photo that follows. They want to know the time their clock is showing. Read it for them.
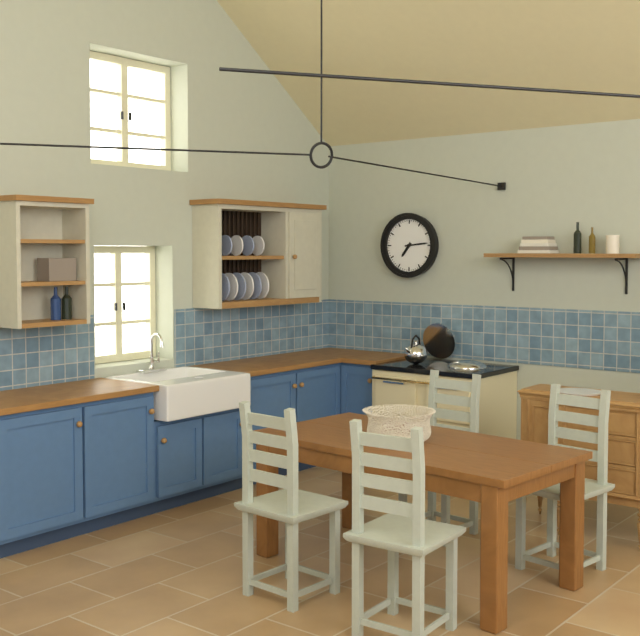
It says 7:14
